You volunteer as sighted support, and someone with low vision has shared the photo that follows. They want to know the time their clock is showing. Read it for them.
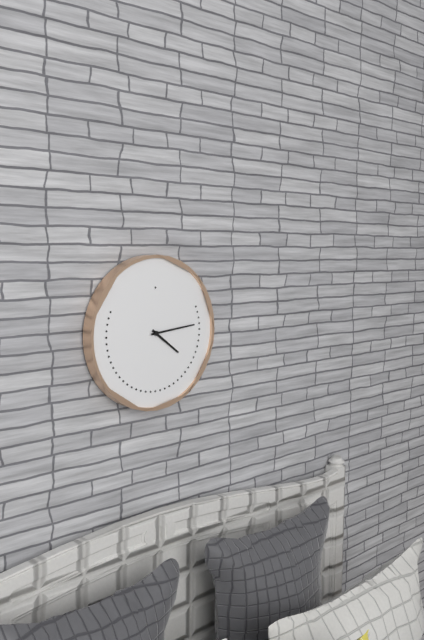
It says 4:14
